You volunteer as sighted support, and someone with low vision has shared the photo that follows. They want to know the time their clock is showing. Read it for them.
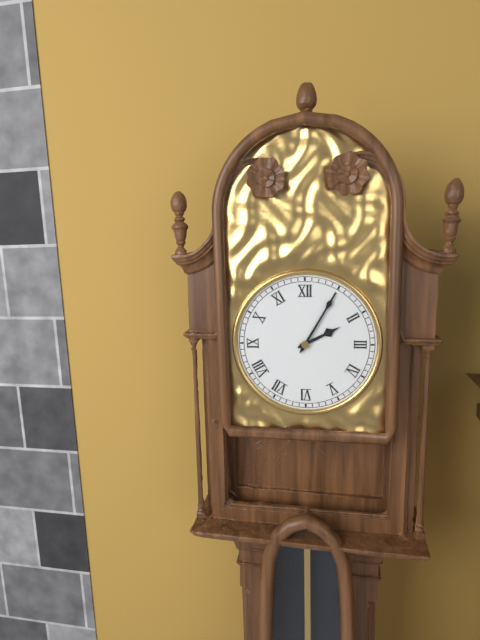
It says 2:05
